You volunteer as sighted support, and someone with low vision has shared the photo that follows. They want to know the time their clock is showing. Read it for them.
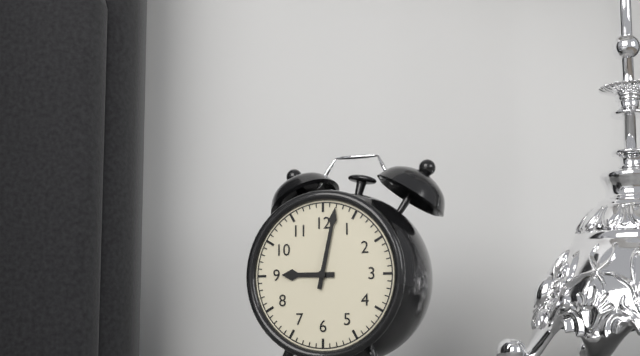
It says 9:02
